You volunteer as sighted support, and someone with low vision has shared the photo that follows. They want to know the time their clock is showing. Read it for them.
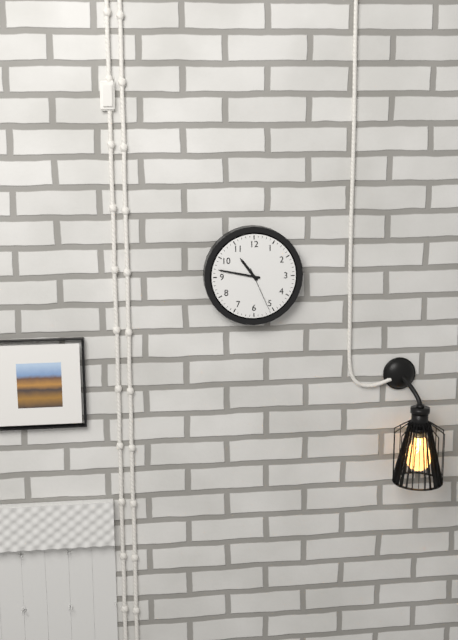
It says 10:47
